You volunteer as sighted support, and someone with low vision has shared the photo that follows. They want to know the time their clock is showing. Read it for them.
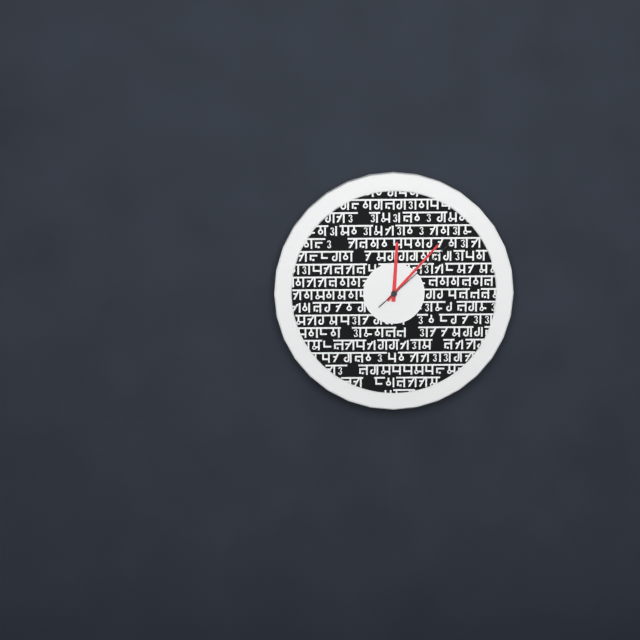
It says 12:07:08
